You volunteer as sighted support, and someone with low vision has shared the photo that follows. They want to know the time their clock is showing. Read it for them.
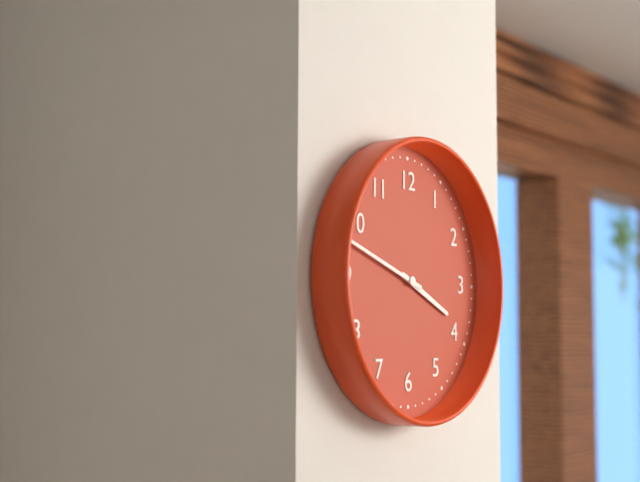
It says 3:48
